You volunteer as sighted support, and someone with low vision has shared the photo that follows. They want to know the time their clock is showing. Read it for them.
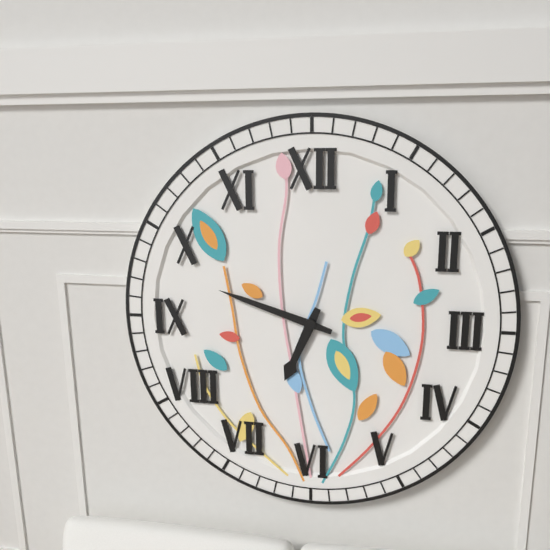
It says 6:48
